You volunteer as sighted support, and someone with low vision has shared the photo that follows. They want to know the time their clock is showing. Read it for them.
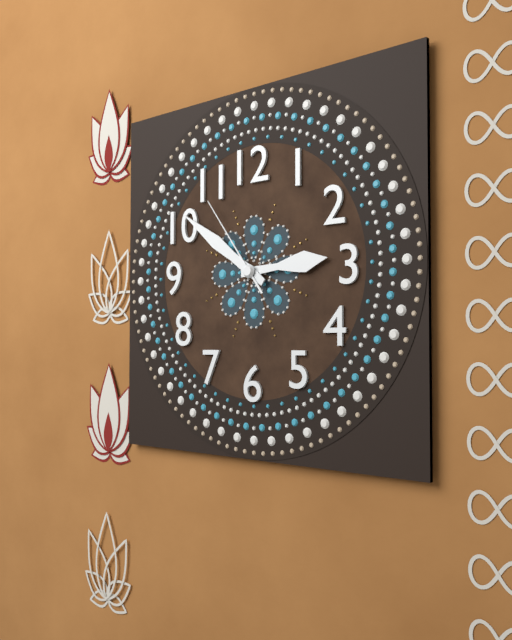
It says 2:51:54
